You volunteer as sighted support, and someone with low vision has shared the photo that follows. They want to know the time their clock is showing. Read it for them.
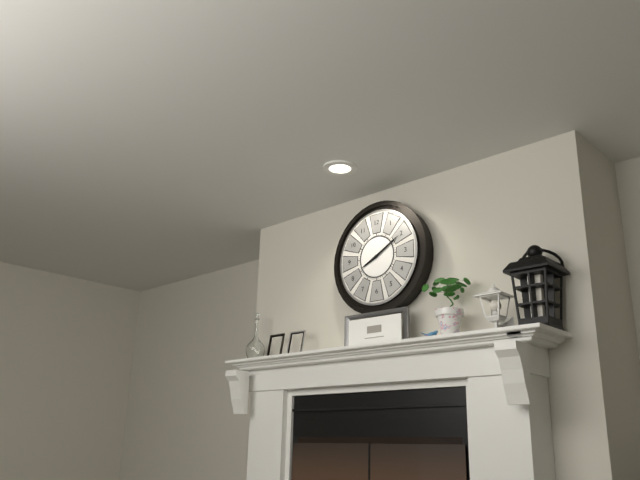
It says 8:10
